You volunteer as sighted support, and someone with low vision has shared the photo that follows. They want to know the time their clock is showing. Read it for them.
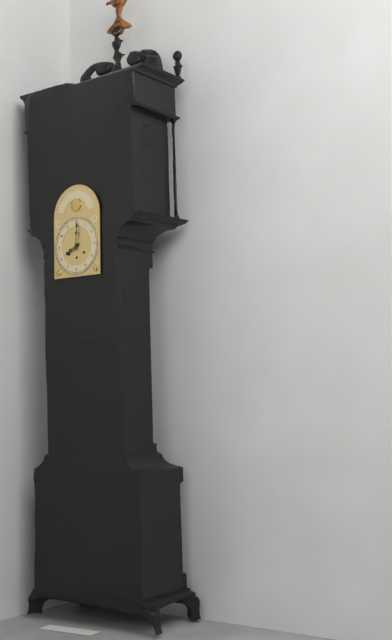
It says 8:01
